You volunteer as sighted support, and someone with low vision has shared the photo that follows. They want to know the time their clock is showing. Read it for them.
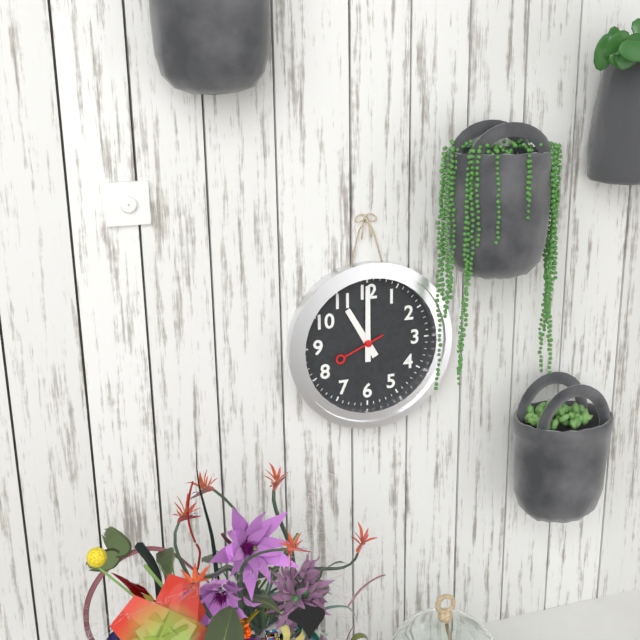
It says 11:00
